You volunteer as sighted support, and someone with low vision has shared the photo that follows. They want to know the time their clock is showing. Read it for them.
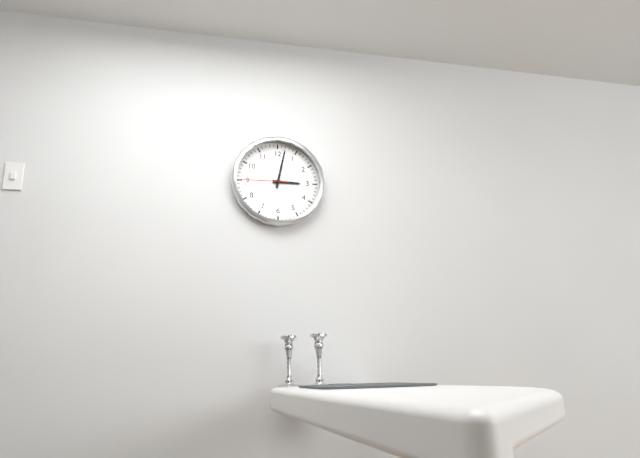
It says 3:02
